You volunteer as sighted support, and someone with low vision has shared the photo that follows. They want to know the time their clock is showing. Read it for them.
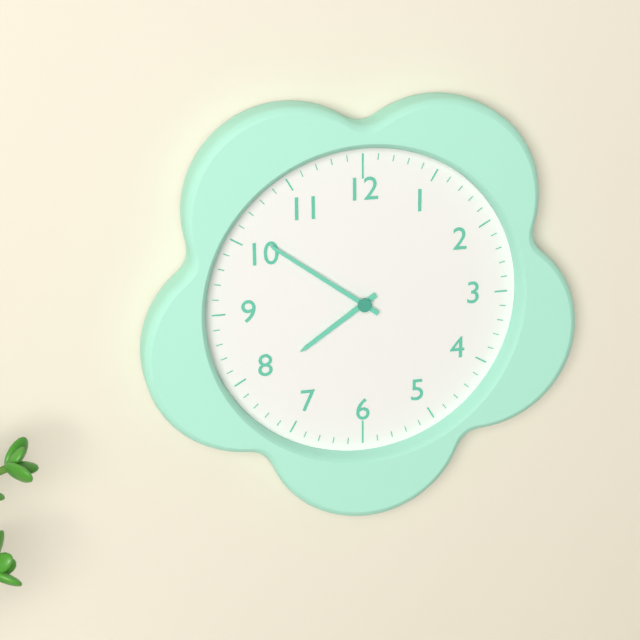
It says 7:51
